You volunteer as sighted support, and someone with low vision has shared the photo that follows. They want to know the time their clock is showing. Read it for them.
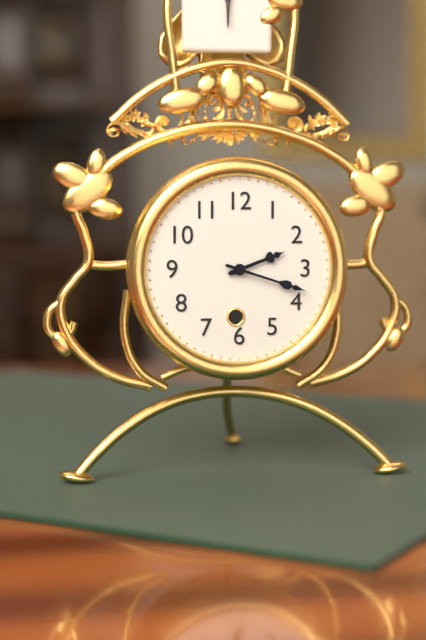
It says 2:18
